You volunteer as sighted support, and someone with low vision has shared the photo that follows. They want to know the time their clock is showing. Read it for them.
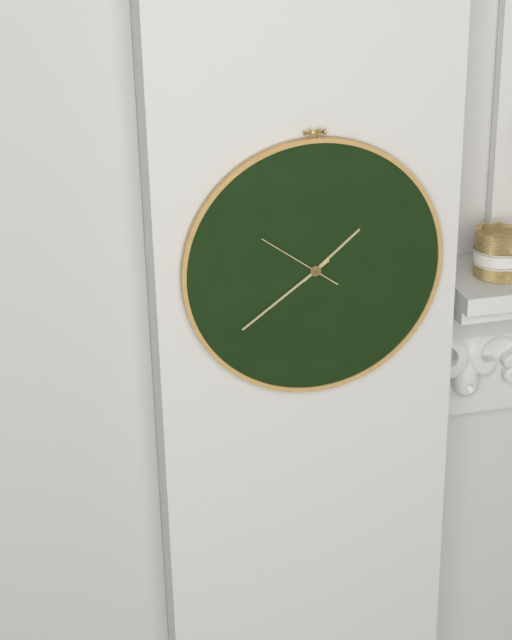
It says 1:39:51
